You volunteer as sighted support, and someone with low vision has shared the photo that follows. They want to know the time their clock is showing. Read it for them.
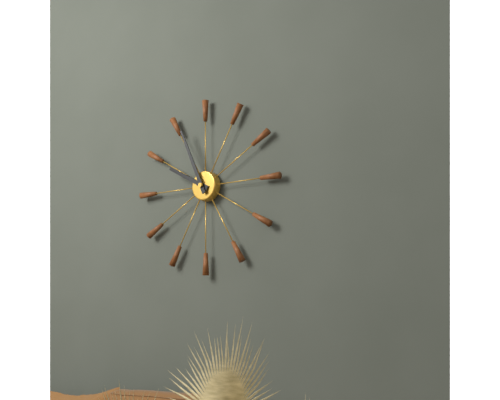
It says 9:56
